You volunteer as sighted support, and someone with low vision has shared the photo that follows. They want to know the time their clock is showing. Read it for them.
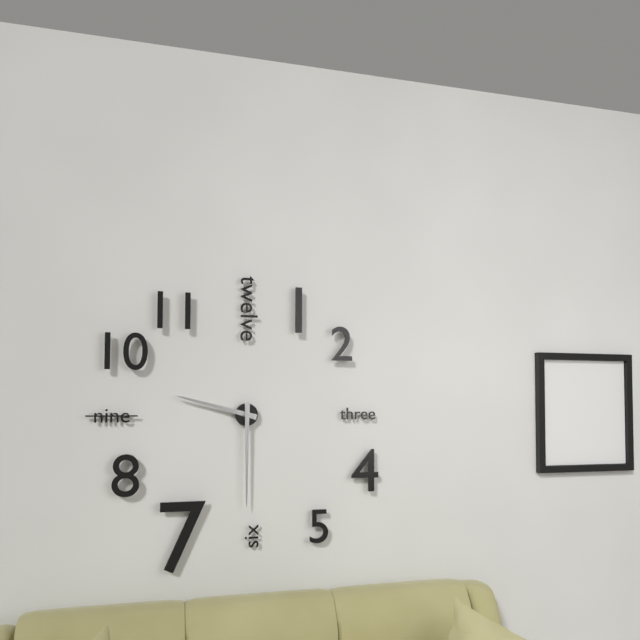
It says 9:30
